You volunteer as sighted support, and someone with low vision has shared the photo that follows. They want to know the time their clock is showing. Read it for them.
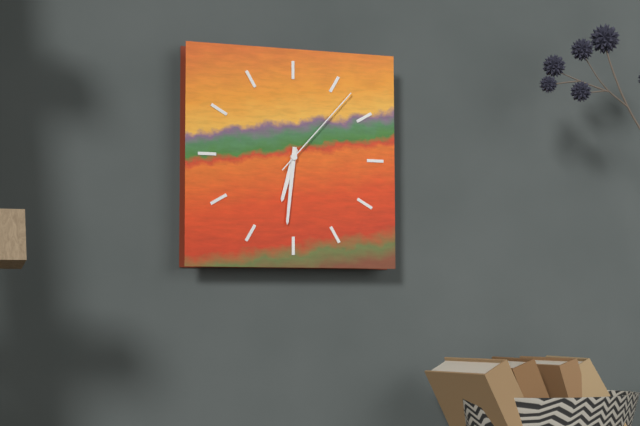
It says 6:31:07
